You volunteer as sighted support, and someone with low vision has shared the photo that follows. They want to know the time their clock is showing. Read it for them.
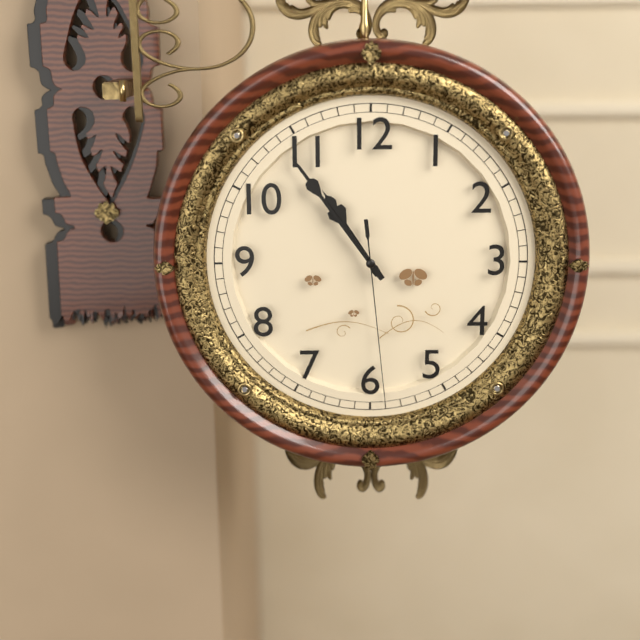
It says 10:54:29
